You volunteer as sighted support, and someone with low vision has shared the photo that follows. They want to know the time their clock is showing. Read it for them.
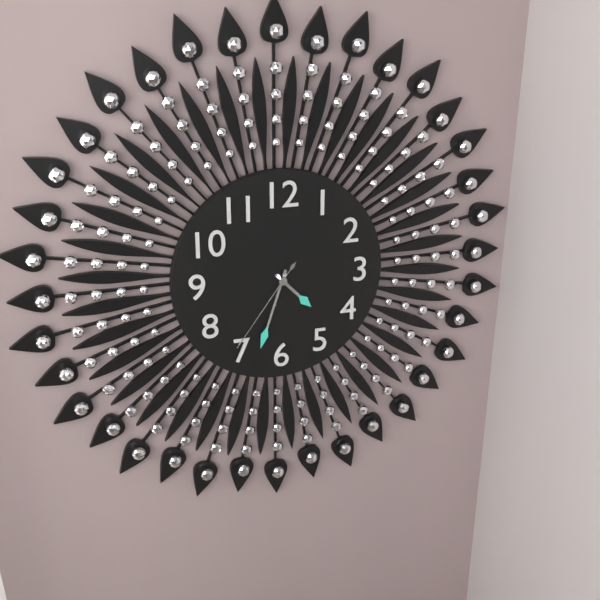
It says 4:33:36
